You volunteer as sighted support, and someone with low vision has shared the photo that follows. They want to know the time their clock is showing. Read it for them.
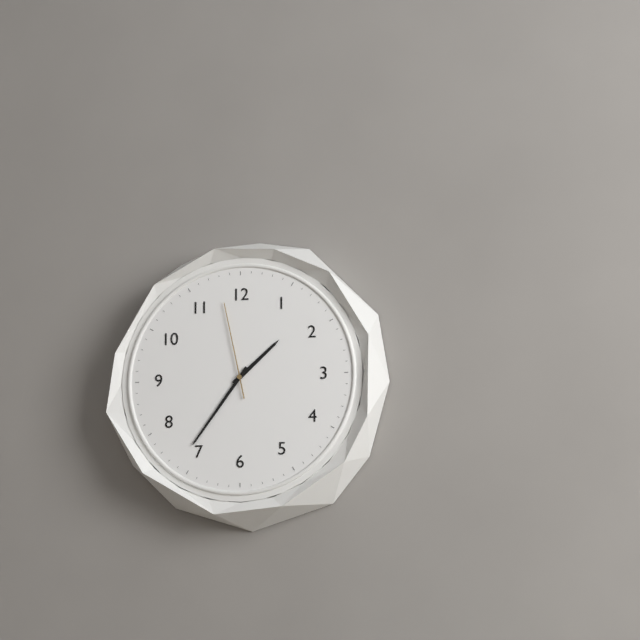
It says 1:36:58
